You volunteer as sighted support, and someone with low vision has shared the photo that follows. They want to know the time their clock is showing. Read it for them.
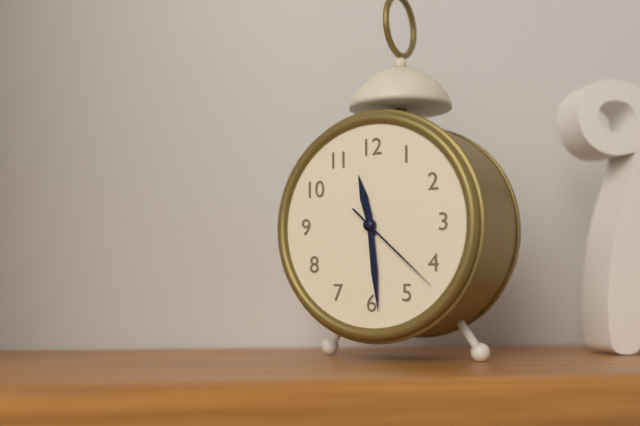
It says 11:29:22
